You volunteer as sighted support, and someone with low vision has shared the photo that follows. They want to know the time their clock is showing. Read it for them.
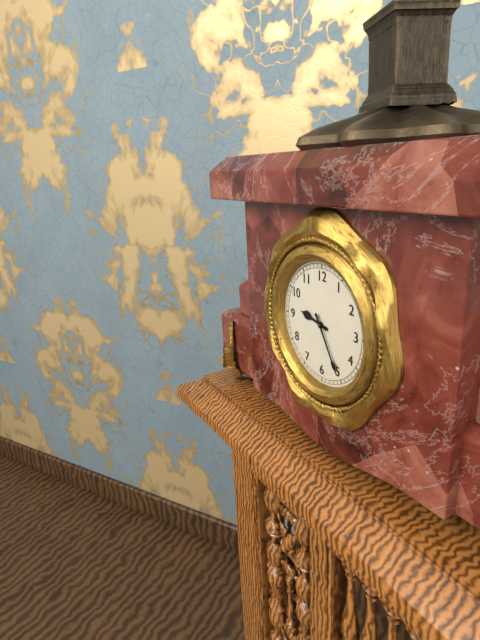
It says 9:25
